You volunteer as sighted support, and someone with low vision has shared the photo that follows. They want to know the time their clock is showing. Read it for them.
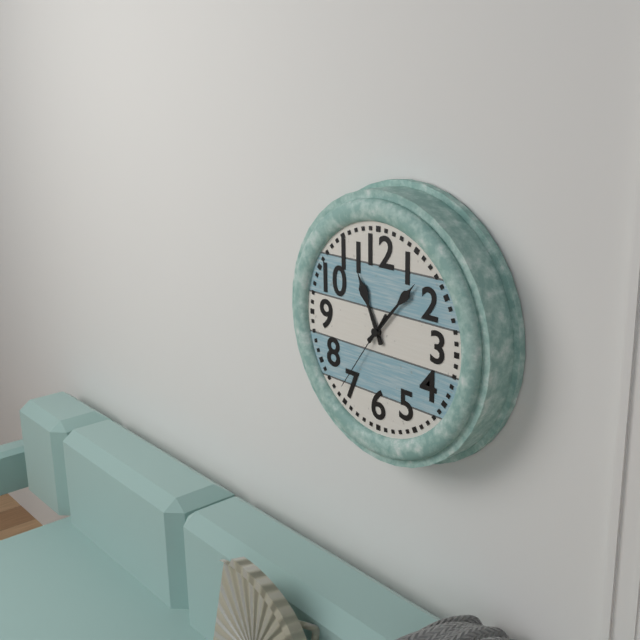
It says 11:07:36
